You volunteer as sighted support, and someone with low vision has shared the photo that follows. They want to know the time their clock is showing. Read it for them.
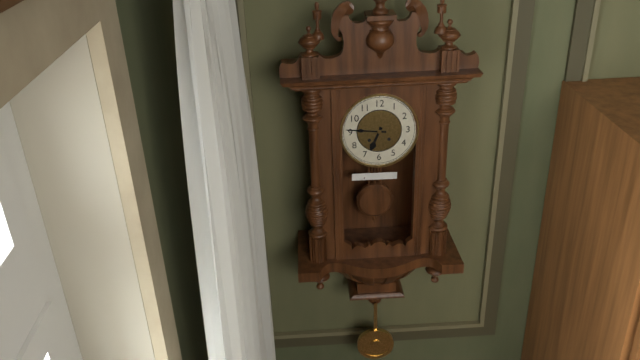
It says 6:46
